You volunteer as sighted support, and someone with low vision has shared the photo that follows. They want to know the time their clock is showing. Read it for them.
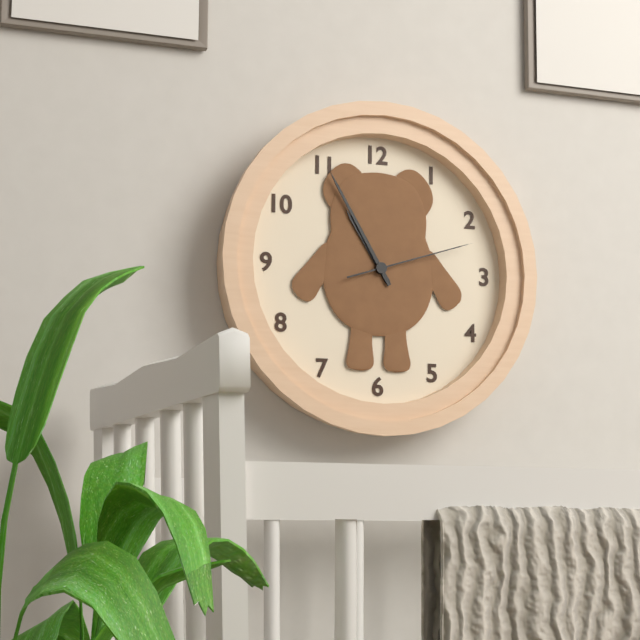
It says 10:55:12
